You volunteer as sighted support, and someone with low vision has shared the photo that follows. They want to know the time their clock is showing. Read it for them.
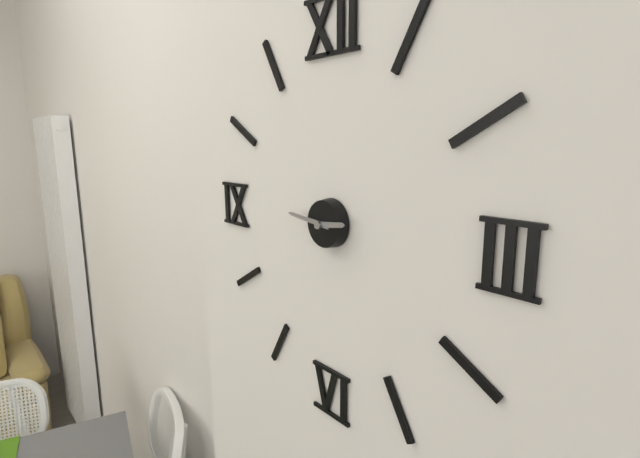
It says 2:46
